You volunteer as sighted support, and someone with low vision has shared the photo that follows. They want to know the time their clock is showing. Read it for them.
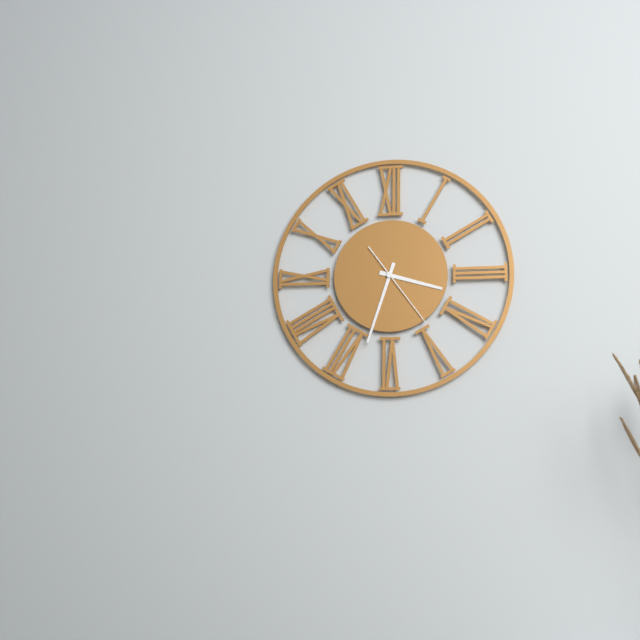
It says 3:33:24
